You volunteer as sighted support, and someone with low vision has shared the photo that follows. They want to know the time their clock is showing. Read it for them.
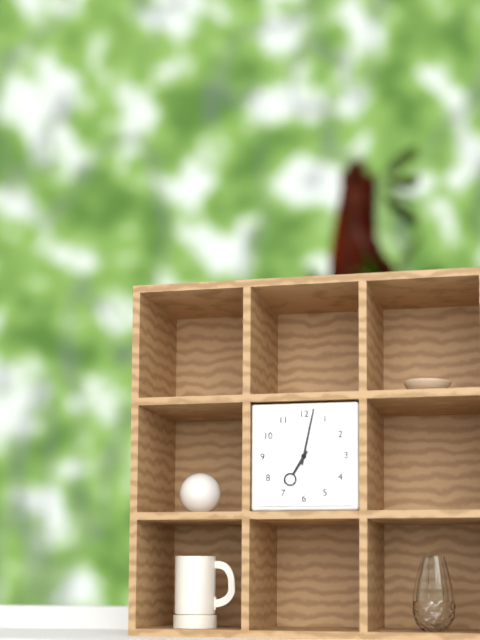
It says 7:02
